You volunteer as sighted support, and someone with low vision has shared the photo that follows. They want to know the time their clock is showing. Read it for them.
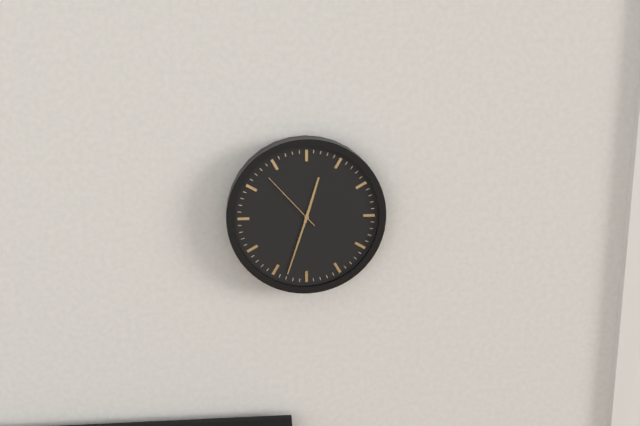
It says 12:33:53
